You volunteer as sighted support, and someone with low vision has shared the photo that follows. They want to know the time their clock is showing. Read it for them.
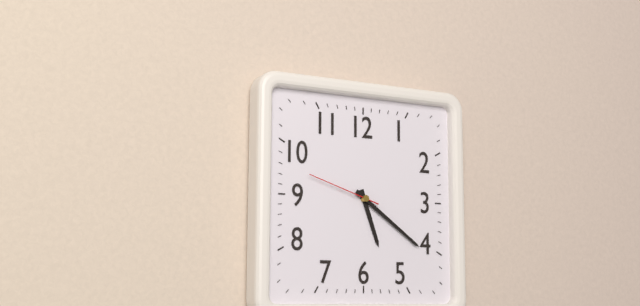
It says 5:21:48
